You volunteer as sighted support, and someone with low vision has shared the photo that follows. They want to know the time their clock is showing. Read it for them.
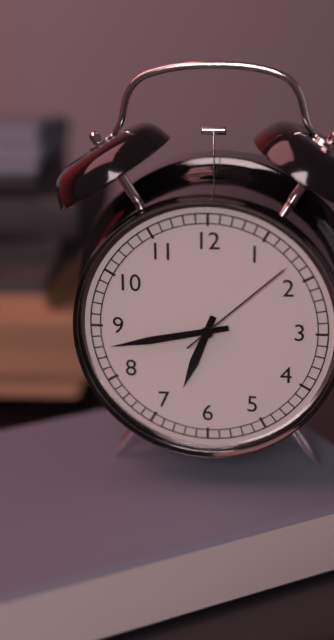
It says 6:43:08
